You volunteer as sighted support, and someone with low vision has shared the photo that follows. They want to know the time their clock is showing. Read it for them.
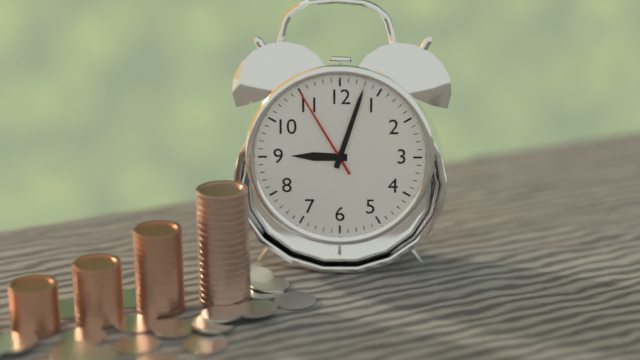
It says 9:03:55
